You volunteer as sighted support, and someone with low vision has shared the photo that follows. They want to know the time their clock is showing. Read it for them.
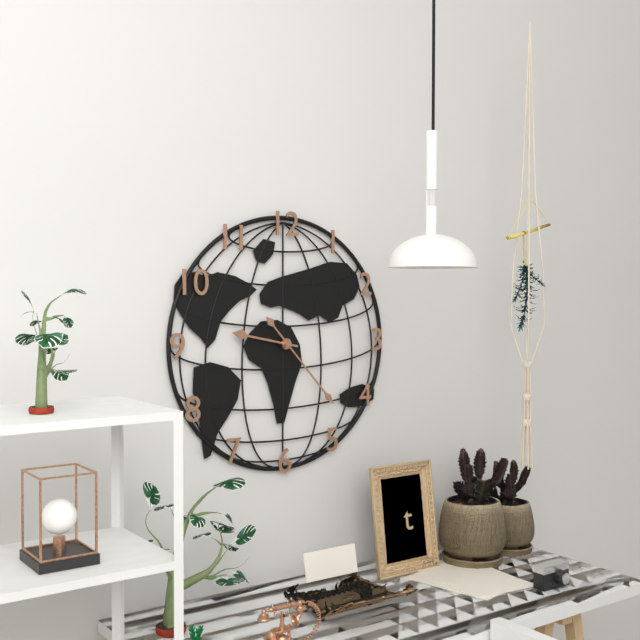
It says 9:23
